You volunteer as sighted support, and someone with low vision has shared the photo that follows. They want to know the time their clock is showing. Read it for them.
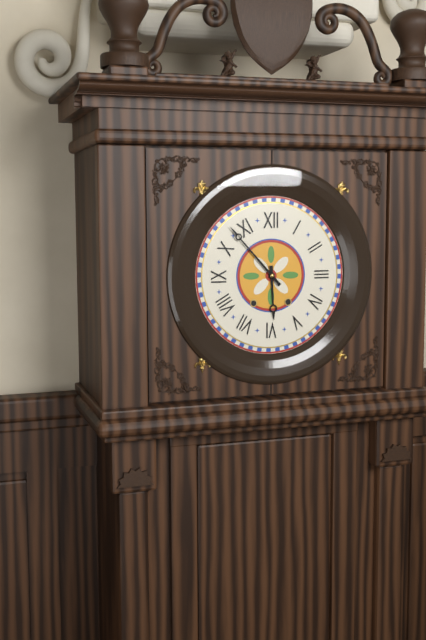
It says 5:53
